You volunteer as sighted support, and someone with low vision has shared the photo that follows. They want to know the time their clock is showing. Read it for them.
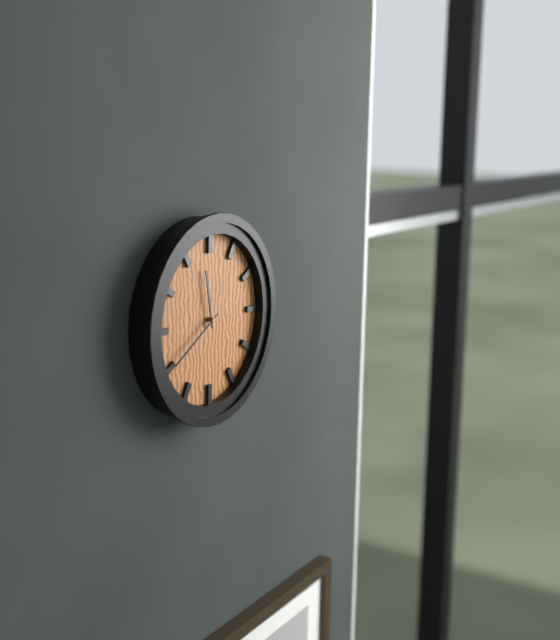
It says 11:40
